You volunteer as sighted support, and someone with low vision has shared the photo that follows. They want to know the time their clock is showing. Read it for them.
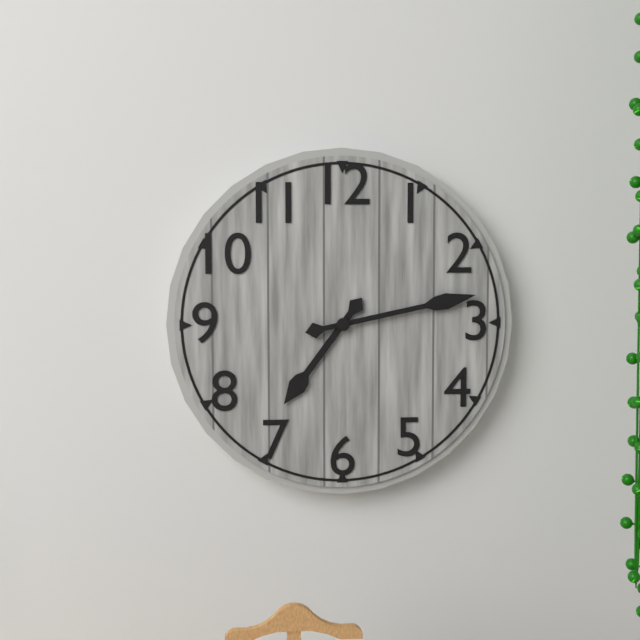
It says 7:13
